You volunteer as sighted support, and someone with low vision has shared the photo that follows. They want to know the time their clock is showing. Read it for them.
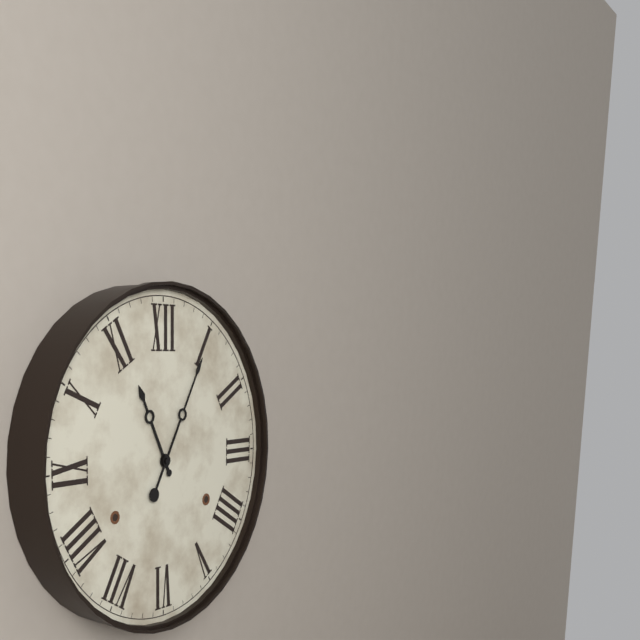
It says 11:05
